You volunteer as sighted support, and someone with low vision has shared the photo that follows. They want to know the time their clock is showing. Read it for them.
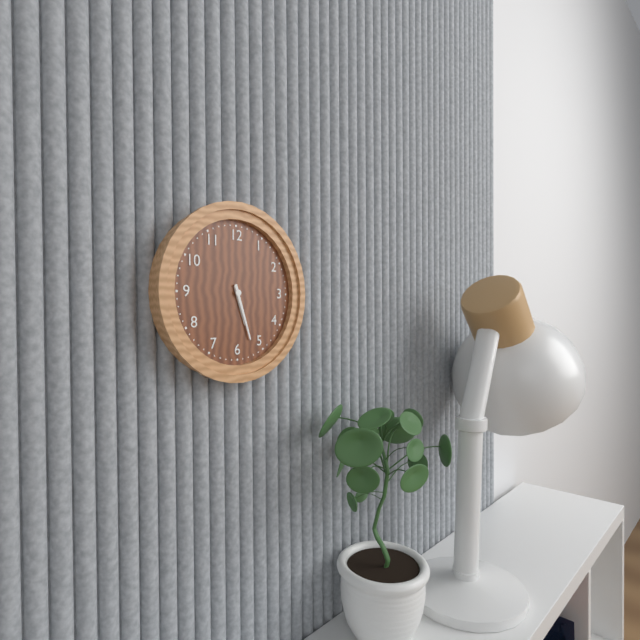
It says 5:27
